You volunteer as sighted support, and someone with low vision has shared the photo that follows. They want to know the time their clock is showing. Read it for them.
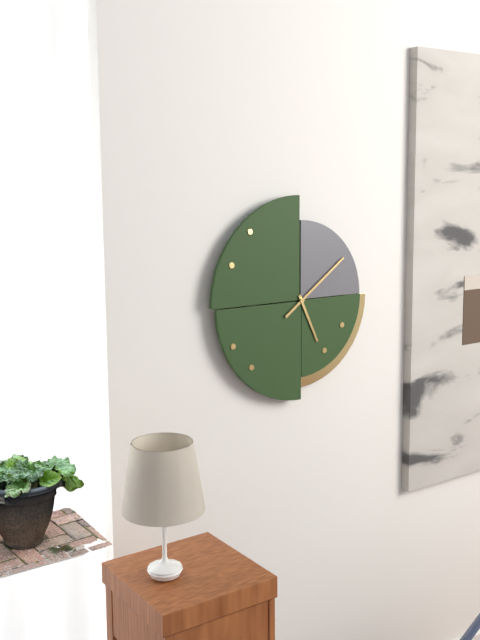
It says 5:09
